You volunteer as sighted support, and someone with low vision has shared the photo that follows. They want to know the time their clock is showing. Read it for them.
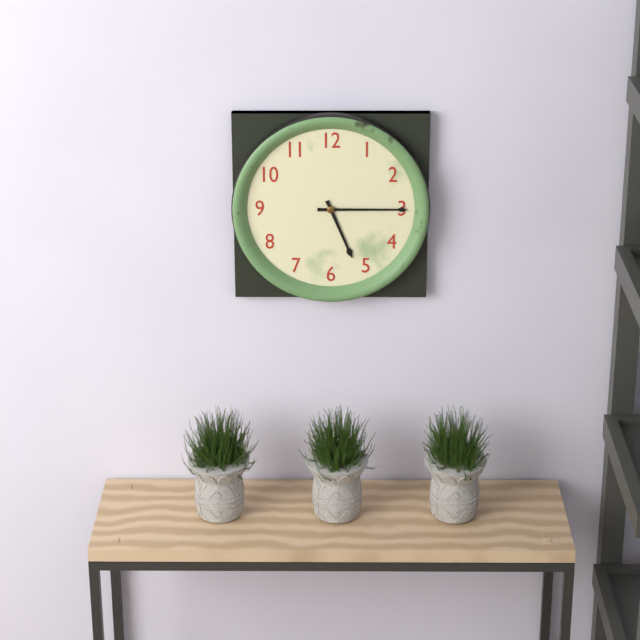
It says 5:15
